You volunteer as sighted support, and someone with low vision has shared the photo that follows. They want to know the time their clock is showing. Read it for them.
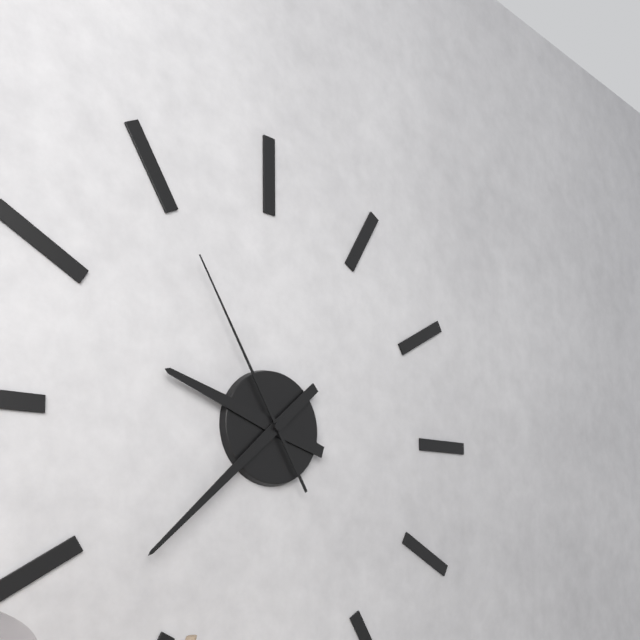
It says 9:38:55
